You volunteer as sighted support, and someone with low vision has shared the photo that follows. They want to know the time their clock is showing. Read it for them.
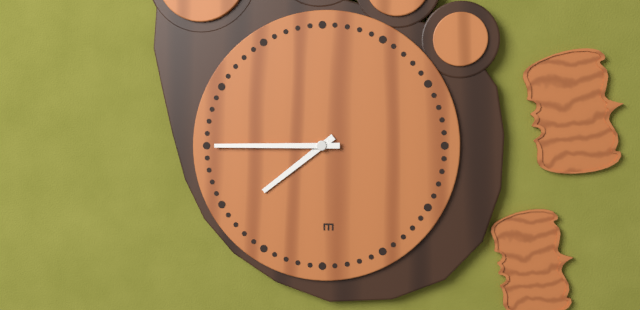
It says 7:45
